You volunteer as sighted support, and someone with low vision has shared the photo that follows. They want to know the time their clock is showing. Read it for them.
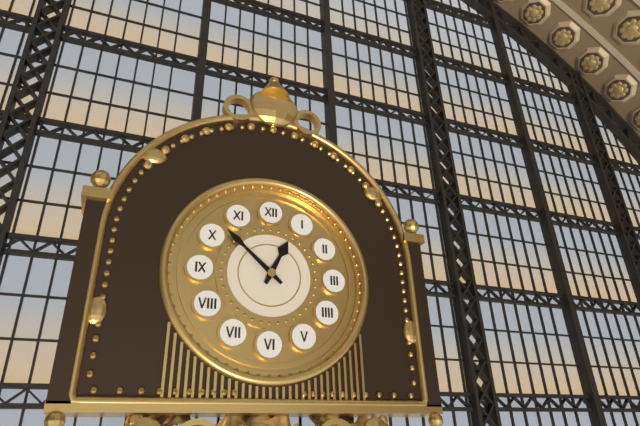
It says 12:52
